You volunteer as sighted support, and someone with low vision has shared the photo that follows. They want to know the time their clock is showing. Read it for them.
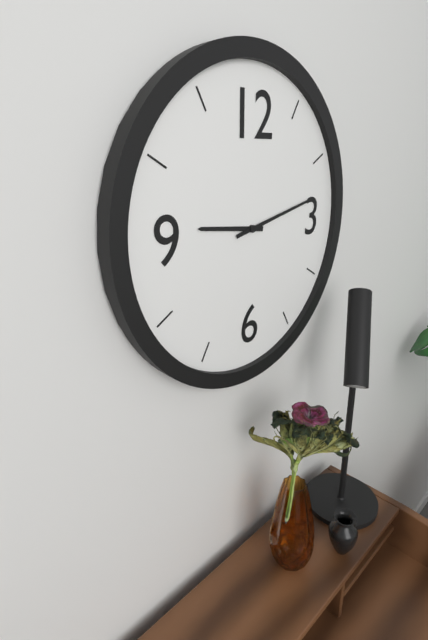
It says 9:13
